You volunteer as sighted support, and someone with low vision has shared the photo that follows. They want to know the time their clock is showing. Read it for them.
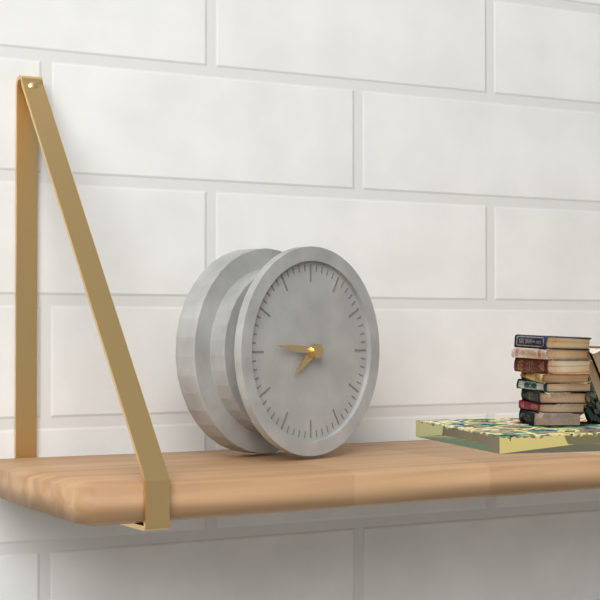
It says 7:46
